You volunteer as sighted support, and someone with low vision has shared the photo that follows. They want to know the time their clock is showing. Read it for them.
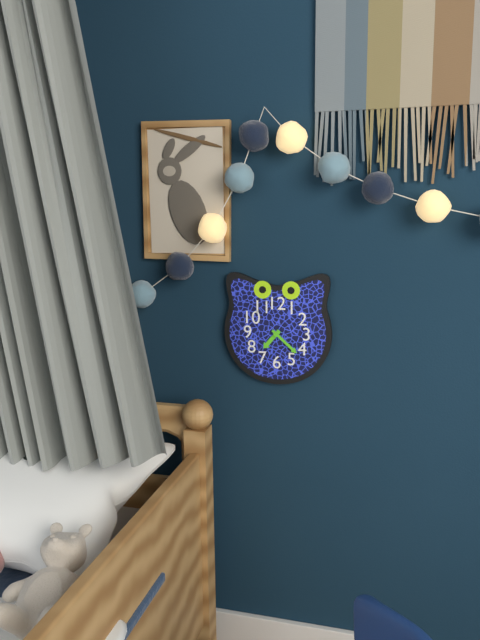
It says 7:22
